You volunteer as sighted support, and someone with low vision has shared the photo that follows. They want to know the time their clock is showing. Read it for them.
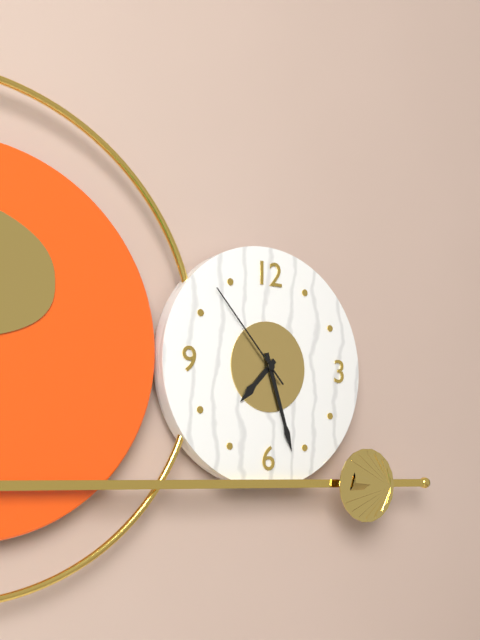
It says 7:27:53
